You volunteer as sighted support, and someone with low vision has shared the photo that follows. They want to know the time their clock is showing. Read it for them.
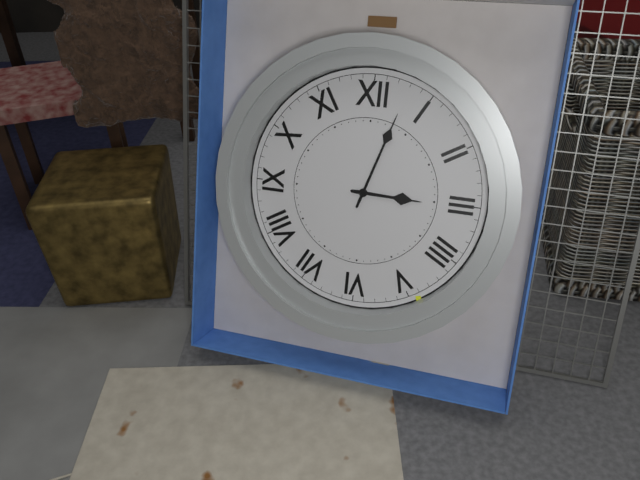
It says 3:03
